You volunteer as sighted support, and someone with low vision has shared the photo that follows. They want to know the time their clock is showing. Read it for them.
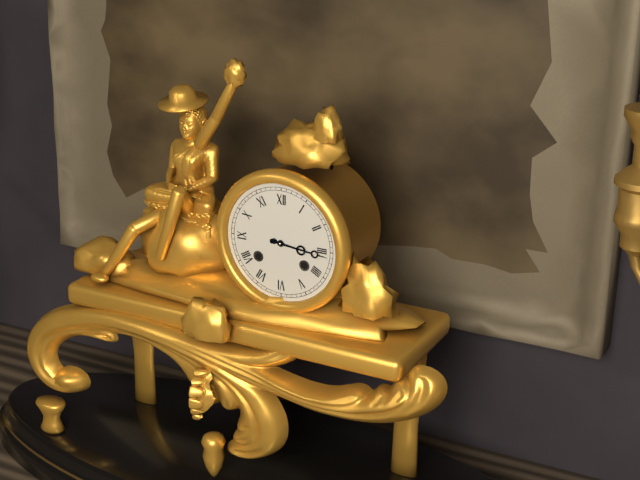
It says 3:16
